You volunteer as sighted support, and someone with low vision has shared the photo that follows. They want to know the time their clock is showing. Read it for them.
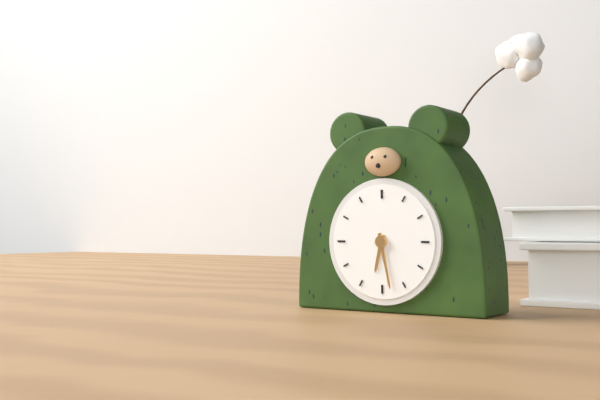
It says 6:28
